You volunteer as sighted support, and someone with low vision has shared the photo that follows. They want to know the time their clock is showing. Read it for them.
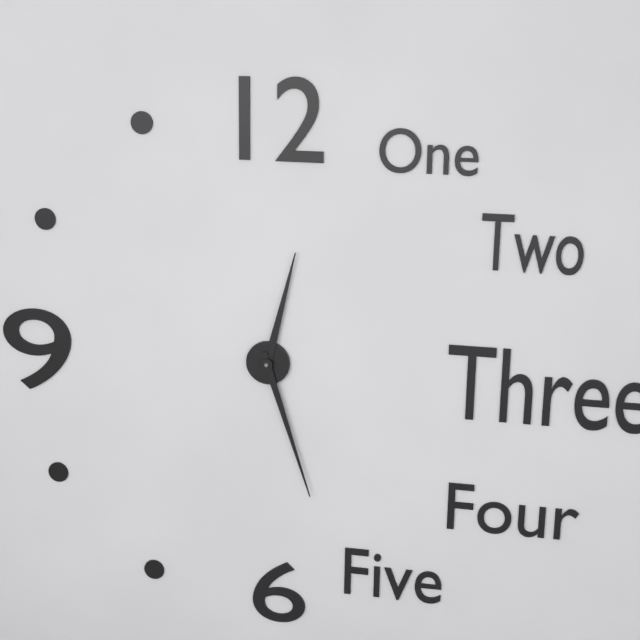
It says 12:27
